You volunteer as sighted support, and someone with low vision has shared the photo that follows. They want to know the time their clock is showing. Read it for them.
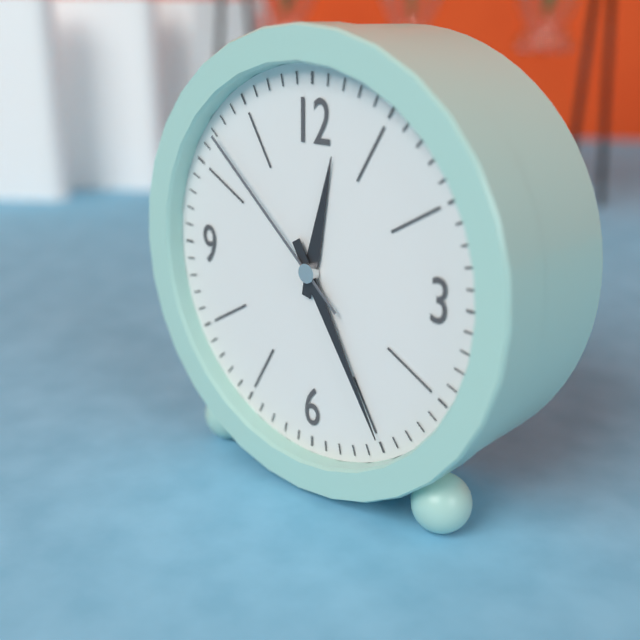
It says 12:25:52
